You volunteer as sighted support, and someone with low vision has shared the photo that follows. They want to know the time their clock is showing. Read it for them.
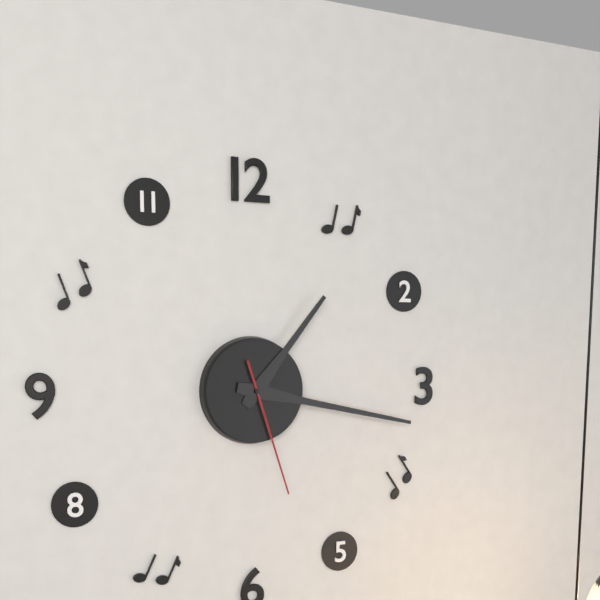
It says 1:17:27
